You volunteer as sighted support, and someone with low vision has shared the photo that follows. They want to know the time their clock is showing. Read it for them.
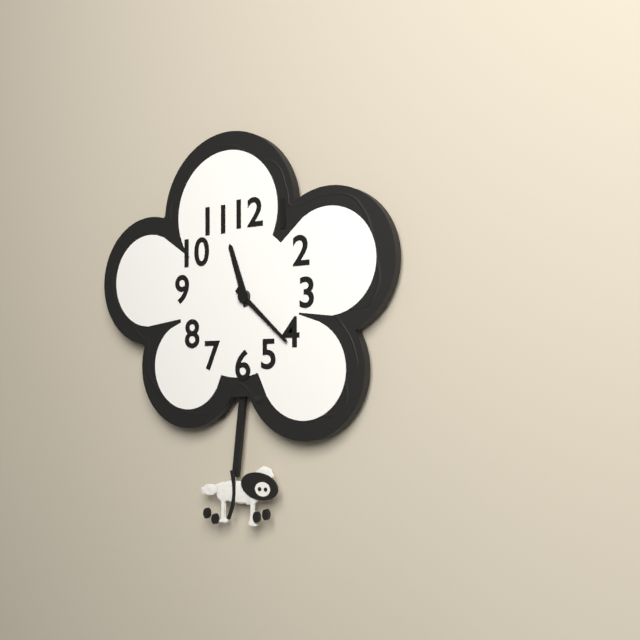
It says 11:22
